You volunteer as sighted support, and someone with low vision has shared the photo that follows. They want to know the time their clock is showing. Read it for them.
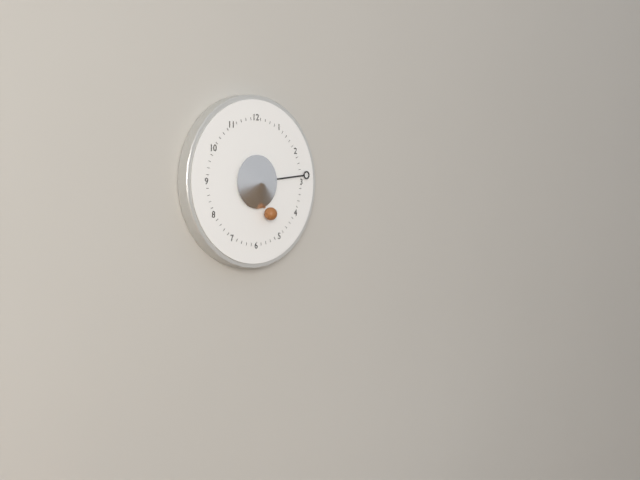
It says 5:14
